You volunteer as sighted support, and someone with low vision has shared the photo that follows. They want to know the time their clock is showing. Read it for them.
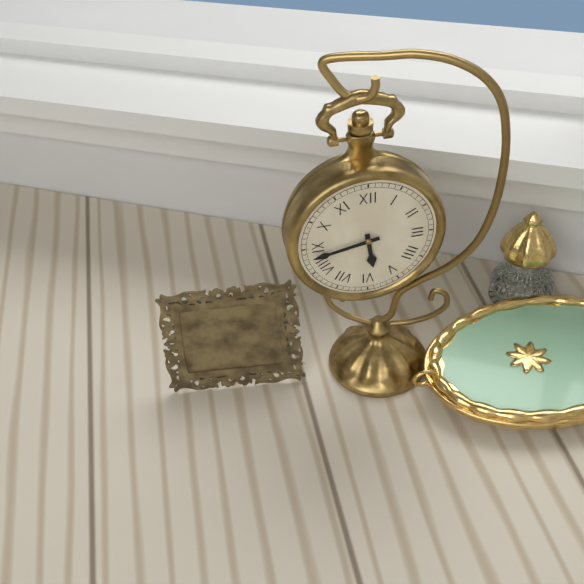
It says 5:43
